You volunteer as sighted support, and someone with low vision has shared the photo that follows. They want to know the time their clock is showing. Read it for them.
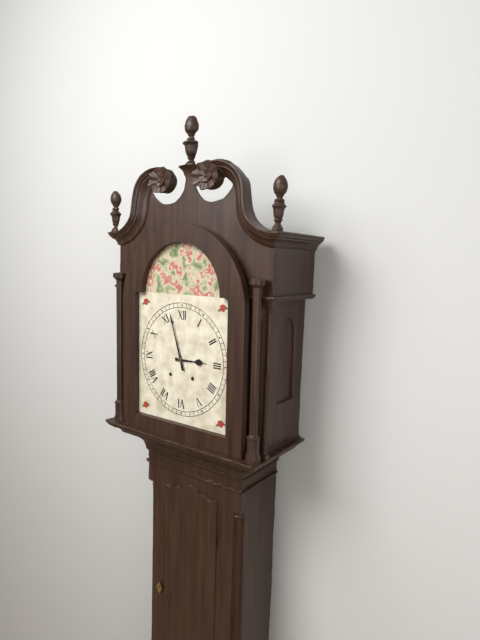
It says 2:57
